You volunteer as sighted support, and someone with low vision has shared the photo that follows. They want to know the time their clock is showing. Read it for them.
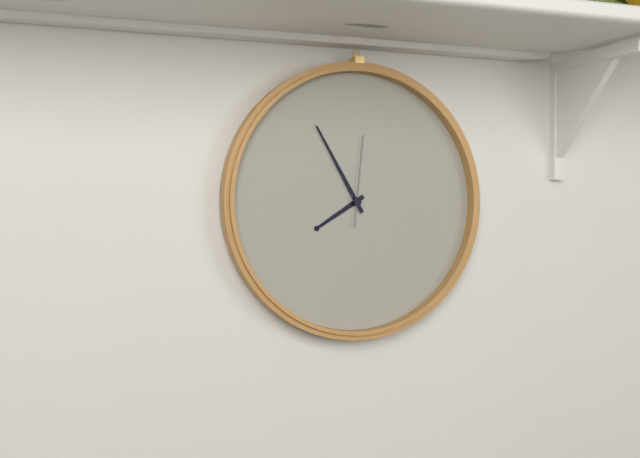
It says 7:55:01
